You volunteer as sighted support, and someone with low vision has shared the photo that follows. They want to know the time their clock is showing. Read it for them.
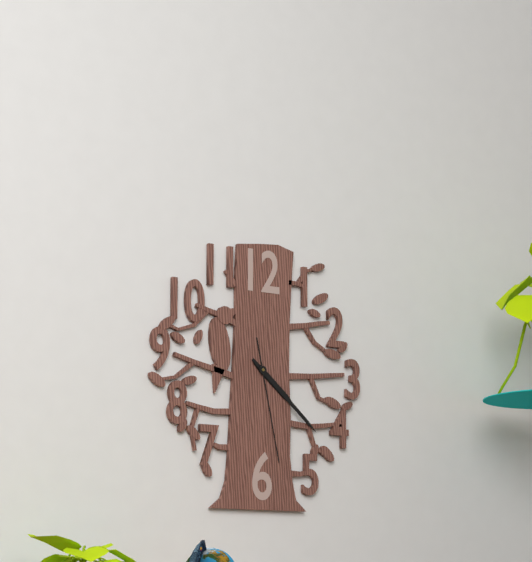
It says 4:22:28
